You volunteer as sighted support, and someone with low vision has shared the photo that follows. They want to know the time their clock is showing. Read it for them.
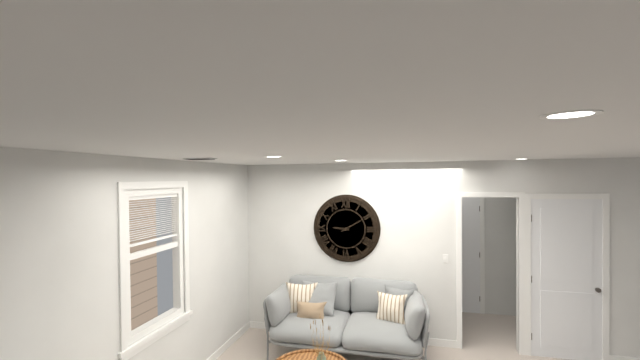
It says 9:10
